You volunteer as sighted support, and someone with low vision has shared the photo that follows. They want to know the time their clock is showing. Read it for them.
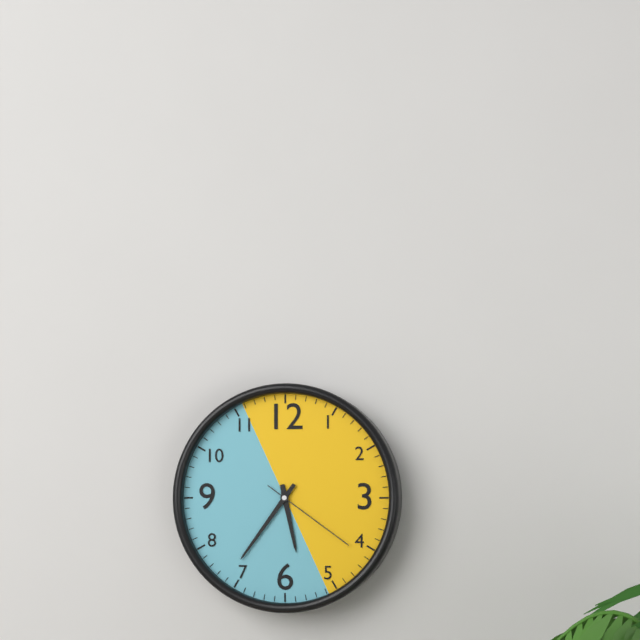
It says 5:36:21
